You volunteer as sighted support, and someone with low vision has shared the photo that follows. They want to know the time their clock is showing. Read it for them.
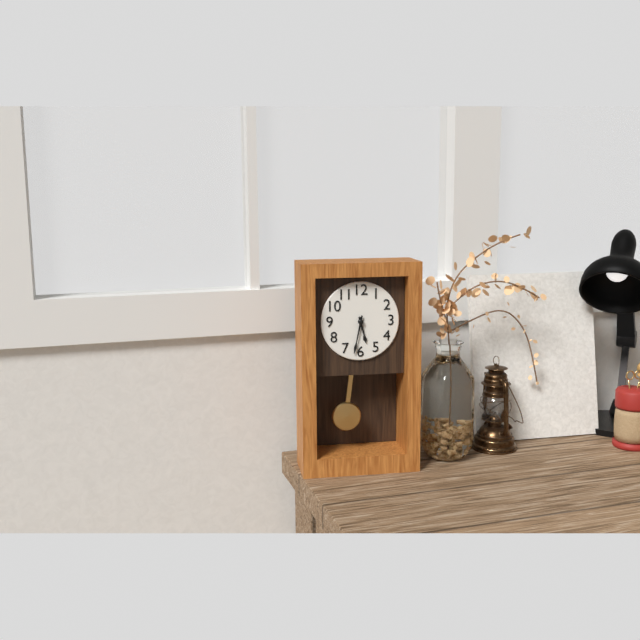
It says 5:32
